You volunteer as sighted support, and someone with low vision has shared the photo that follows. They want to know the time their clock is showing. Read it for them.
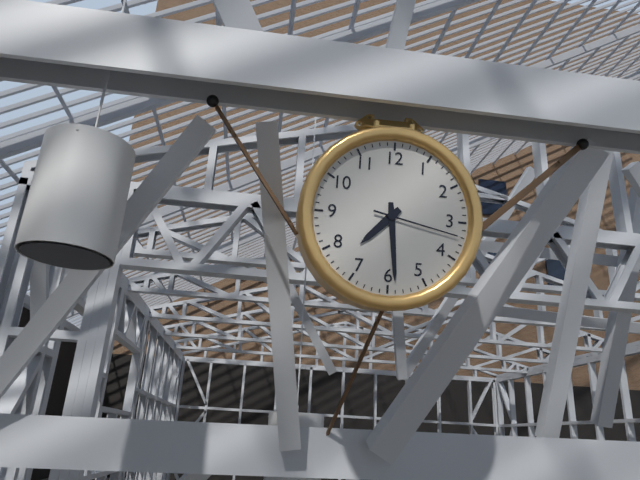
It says 7:29:17
